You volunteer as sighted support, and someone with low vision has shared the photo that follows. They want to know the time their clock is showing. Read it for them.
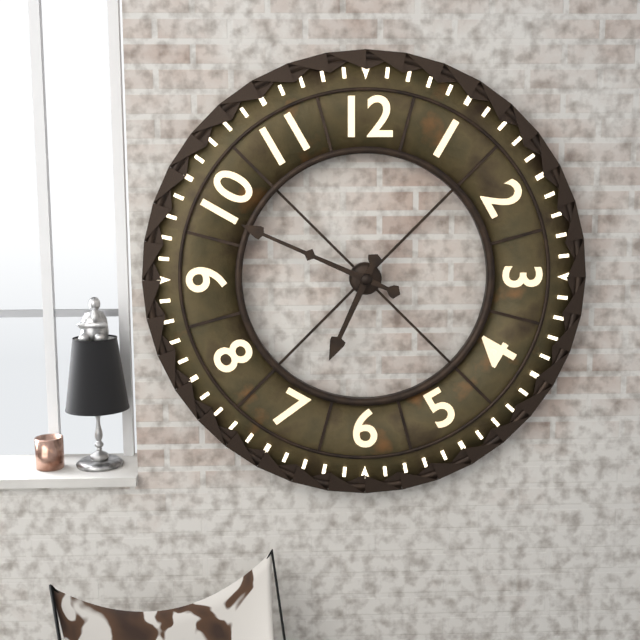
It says 6:49
